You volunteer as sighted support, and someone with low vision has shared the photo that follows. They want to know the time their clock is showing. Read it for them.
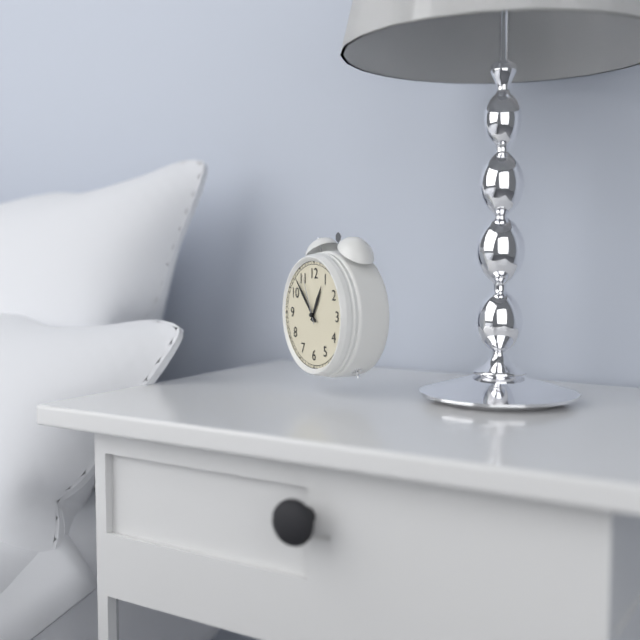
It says 12:53:56
